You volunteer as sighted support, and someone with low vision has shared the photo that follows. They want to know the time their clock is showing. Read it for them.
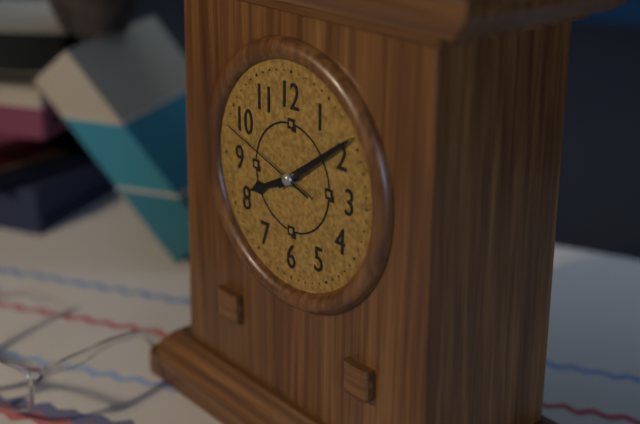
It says 8:09:48
